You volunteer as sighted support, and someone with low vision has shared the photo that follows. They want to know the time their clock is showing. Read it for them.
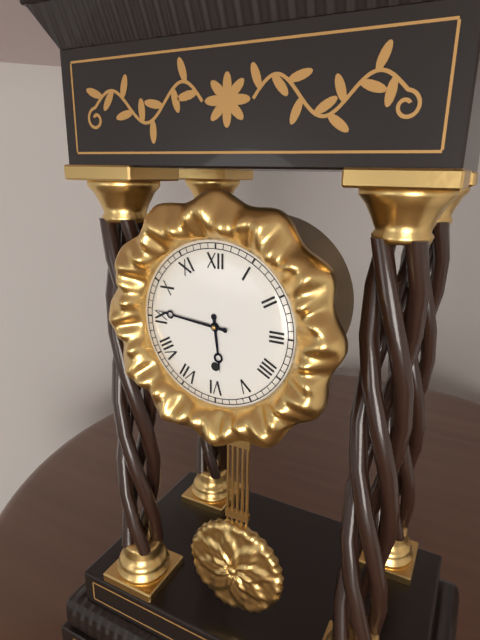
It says 5:46
